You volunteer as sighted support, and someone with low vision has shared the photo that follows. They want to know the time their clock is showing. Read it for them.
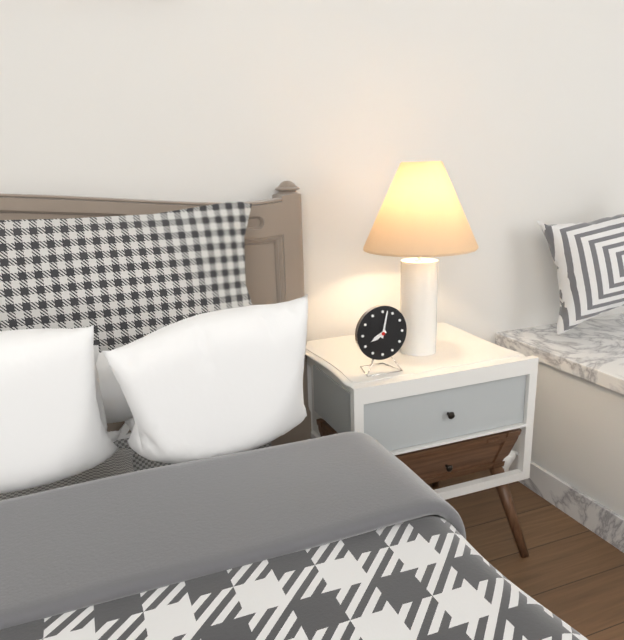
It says 8:02
